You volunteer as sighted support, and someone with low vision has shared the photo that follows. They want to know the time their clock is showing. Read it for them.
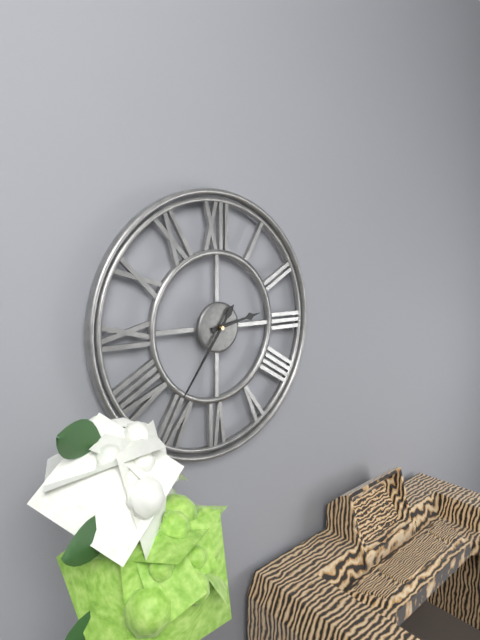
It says 2:36
